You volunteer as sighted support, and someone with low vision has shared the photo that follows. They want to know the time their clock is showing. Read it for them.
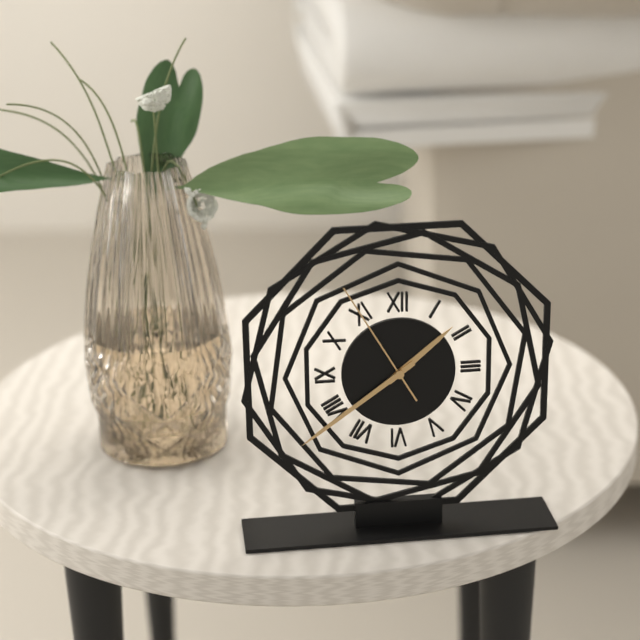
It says 1:39:55
